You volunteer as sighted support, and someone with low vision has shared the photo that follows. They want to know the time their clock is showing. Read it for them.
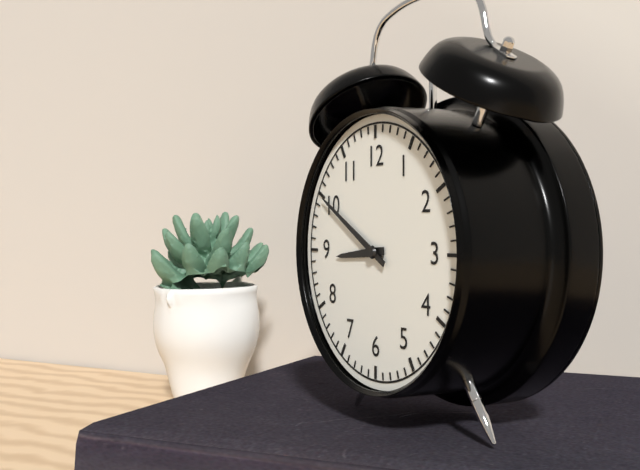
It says 8:50
